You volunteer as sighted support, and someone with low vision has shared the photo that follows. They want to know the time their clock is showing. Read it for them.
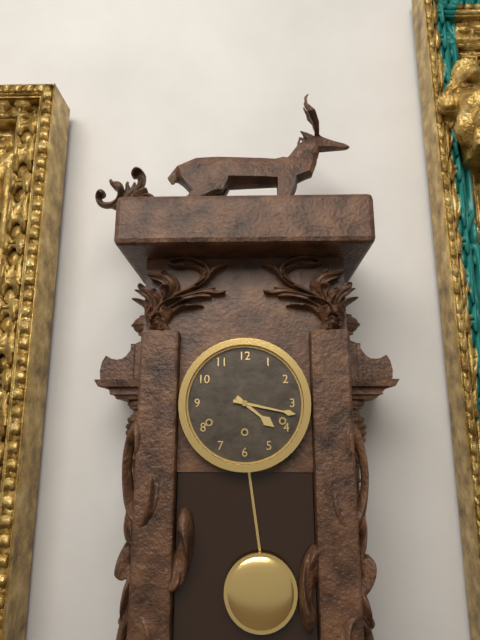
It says 4:17
